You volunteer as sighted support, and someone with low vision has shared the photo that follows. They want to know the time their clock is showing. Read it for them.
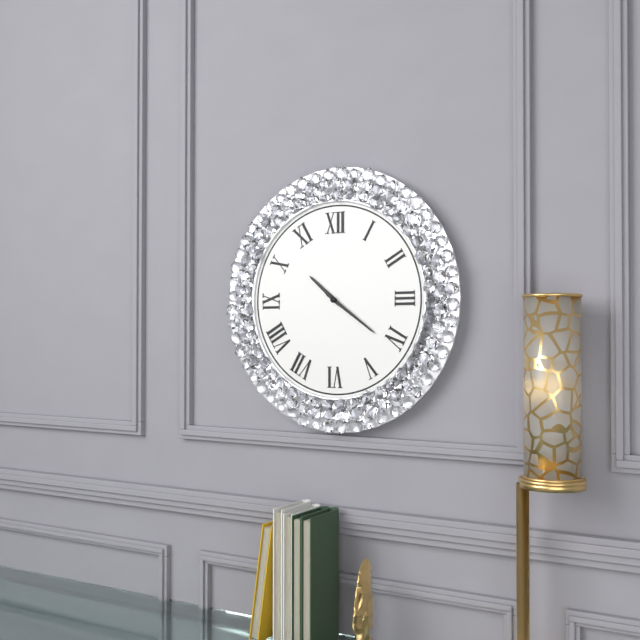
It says 10:21
